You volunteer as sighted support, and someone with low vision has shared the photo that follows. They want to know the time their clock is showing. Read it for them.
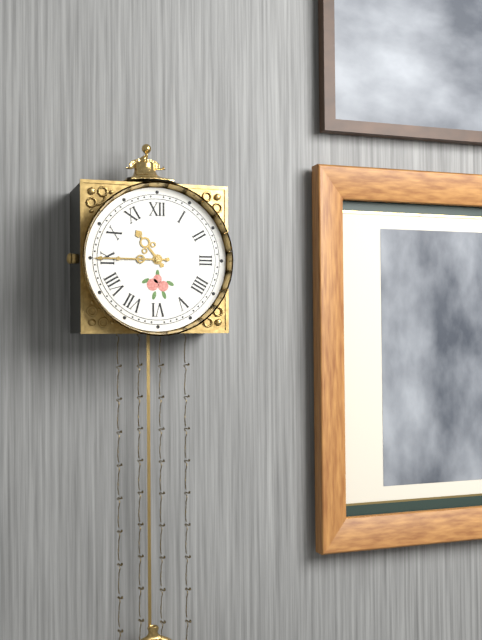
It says 10:45
